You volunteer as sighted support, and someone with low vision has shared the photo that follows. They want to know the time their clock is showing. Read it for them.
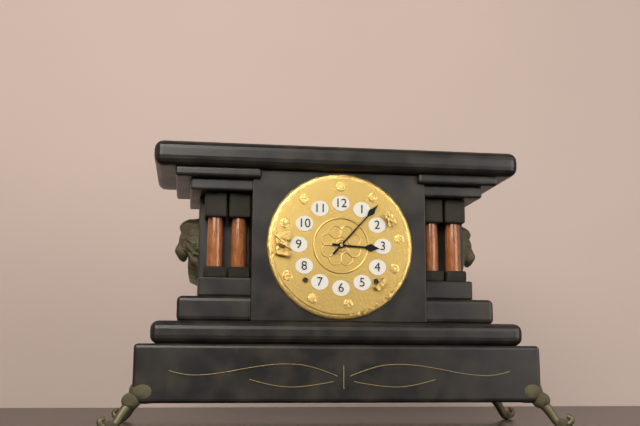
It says 3:07
